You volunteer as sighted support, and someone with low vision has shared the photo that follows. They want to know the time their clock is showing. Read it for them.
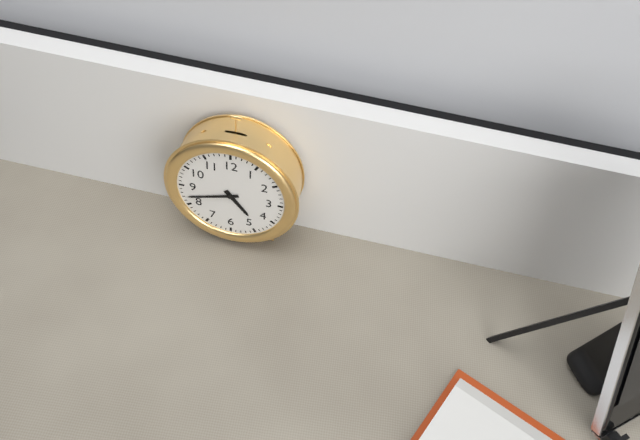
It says 4:42
